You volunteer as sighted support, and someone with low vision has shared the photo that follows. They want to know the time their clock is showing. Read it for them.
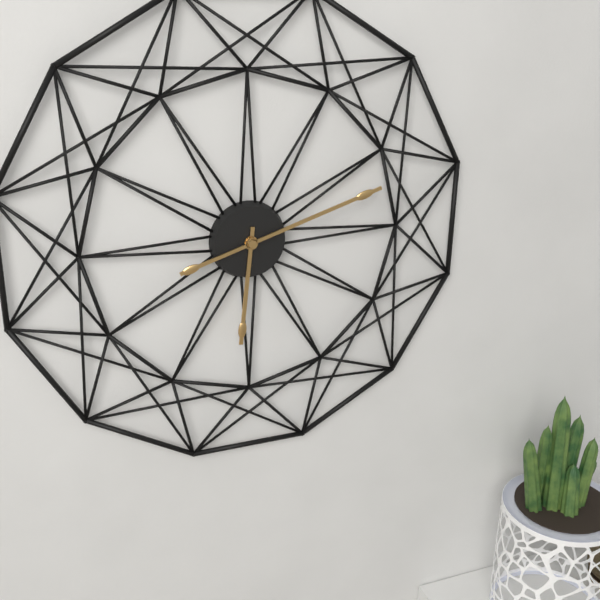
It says 6:12
